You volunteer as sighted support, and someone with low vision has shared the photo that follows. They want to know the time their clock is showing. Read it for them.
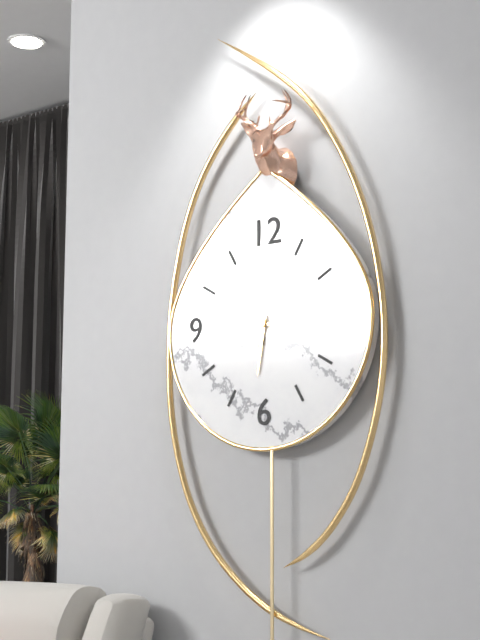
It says 6:17:47
